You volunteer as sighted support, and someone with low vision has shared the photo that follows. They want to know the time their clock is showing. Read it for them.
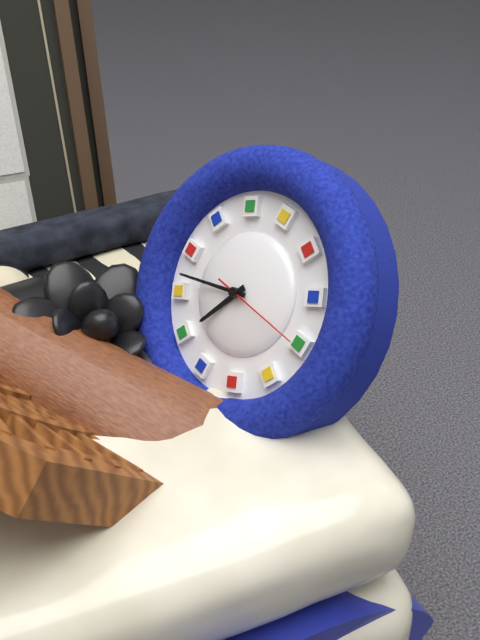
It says 8:52:25
